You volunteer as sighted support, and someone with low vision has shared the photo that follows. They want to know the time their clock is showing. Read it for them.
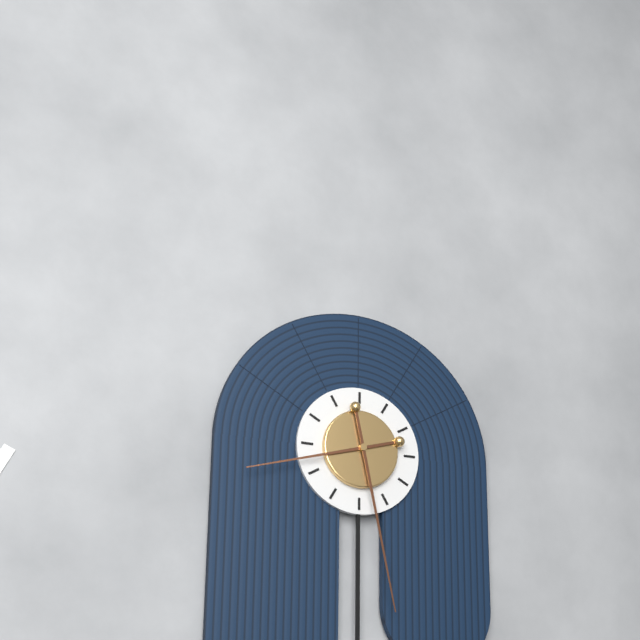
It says 8:28
